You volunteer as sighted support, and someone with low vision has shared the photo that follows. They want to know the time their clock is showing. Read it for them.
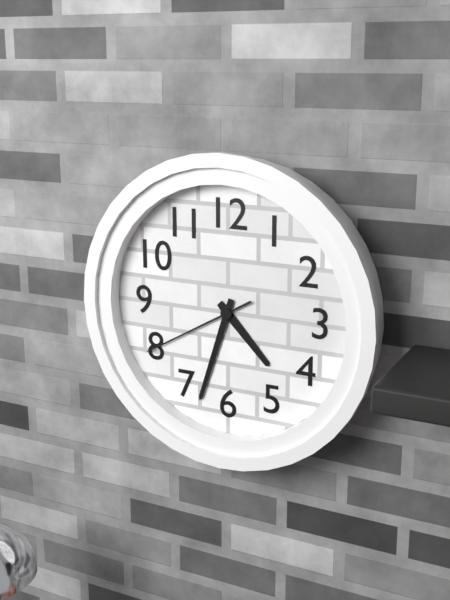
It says 4:33:40
